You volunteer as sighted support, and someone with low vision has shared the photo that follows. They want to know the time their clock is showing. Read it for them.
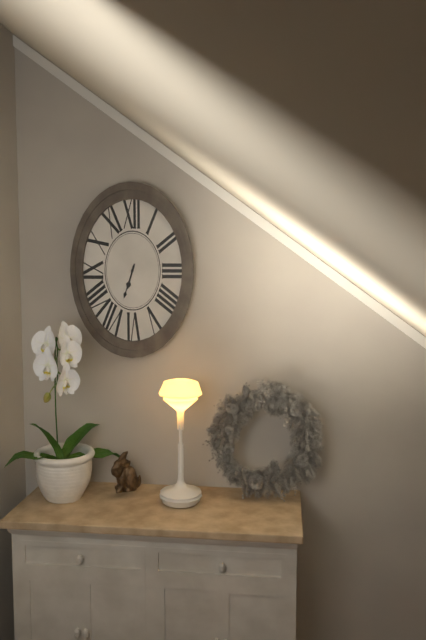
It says 6:33
